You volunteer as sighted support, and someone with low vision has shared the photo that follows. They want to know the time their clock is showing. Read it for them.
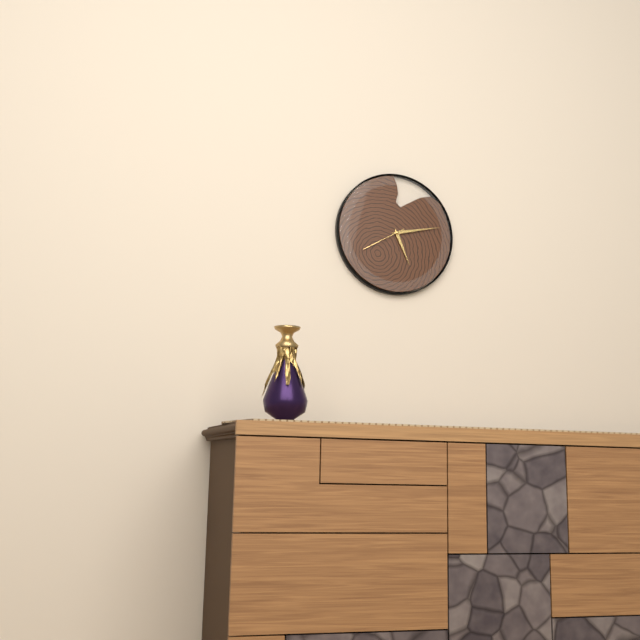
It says 5:13
